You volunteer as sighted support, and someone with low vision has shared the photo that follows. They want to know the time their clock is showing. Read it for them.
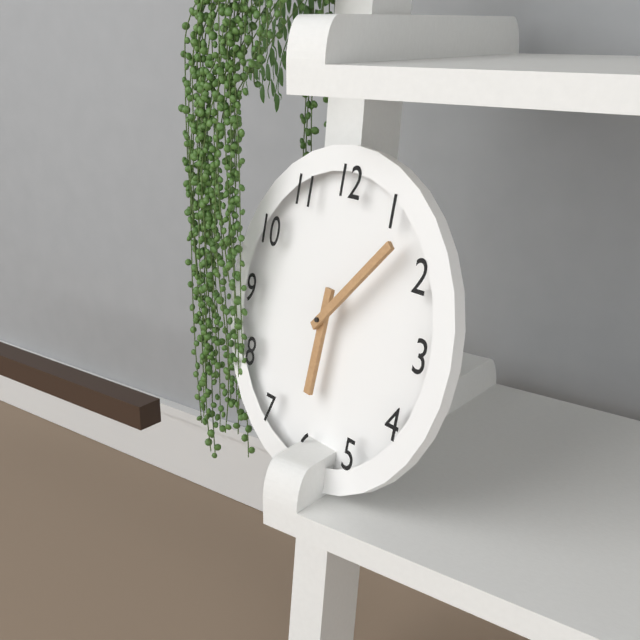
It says 6:07
